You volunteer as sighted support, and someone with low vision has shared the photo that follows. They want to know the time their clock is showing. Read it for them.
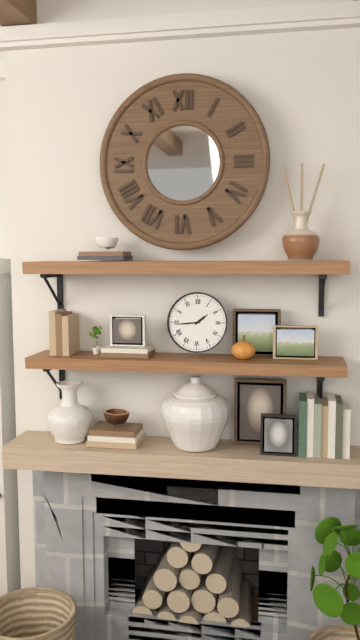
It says 1:44
